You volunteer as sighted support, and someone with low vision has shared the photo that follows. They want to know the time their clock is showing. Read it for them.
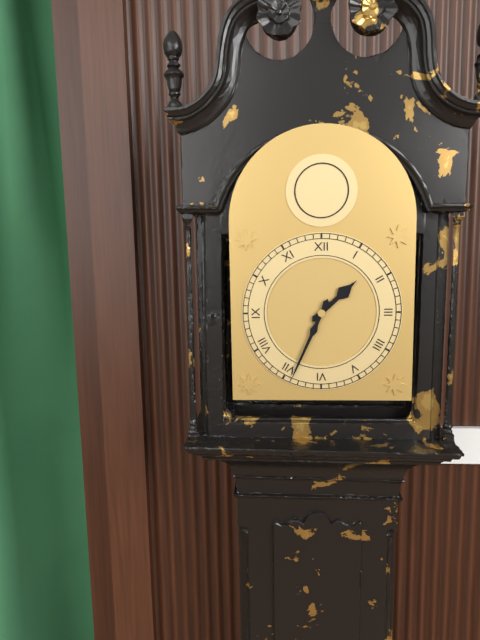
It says 1:34
